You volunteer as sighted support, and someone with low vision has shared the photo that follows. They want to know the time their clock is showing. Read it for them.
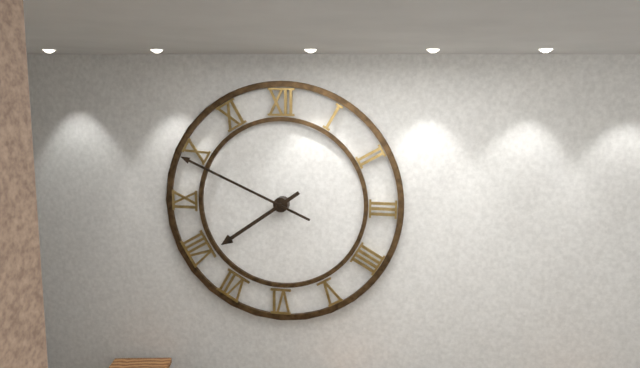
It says 7:49
